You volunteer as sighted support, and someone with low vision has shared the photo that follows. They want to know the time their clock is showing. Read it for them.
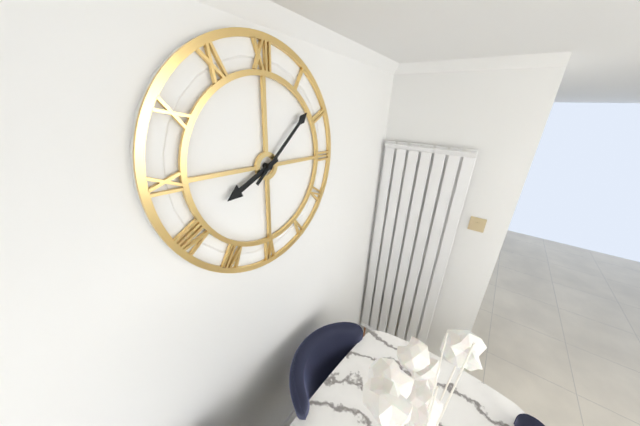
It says 8:08
